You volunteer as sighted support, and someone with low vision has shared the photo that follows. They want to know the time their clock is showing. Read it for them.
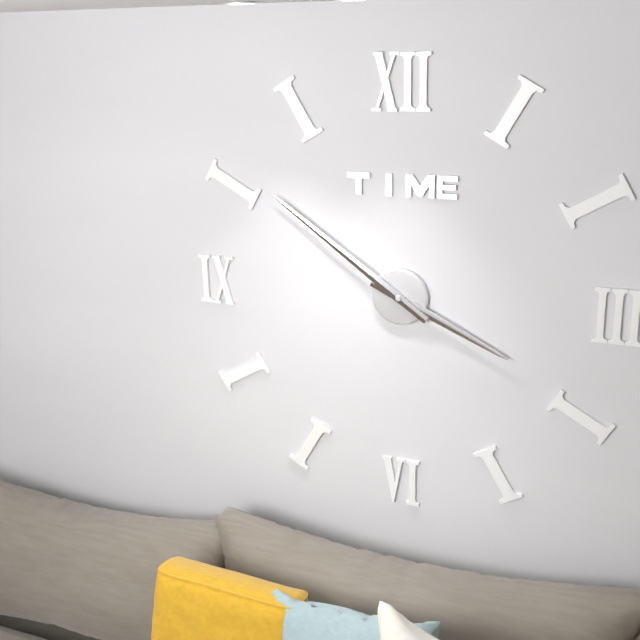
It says 3:51
